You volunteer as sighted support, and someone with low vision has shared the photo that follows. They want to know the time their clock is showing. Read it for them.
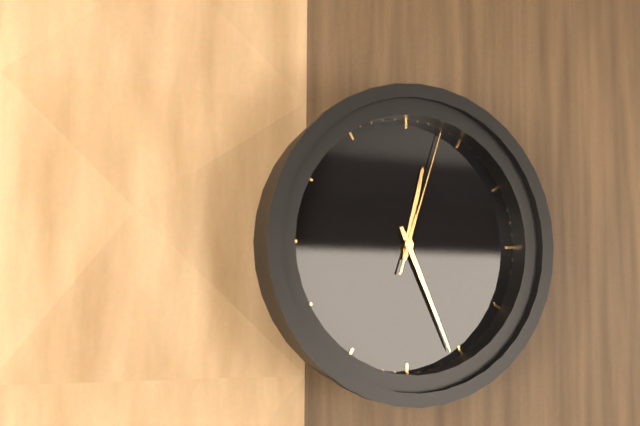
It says 12:26:03
